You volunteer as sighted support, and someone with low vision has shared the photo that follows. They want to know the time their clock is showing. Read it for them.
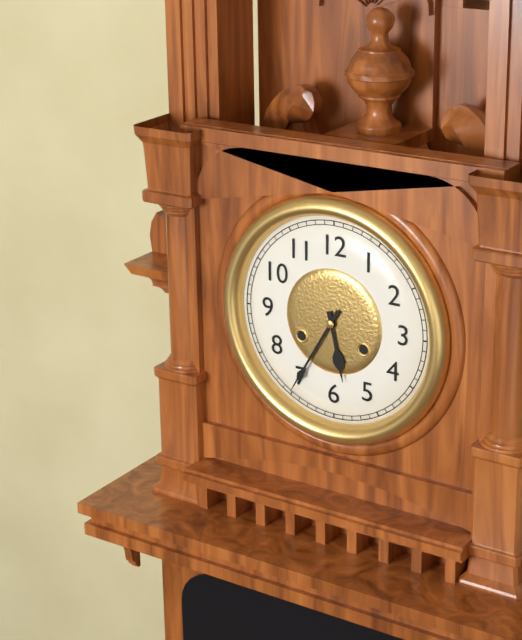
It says 5:35
